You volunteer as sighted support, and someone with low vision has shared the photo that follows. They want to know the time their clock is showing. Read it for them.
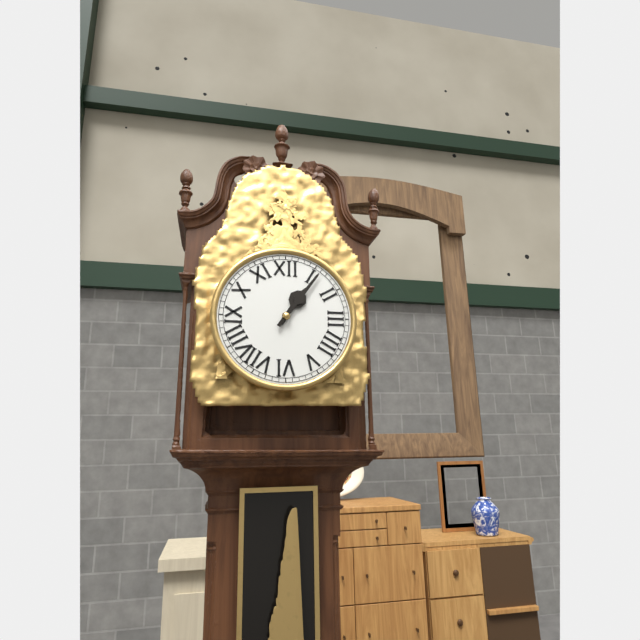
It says 1:06
